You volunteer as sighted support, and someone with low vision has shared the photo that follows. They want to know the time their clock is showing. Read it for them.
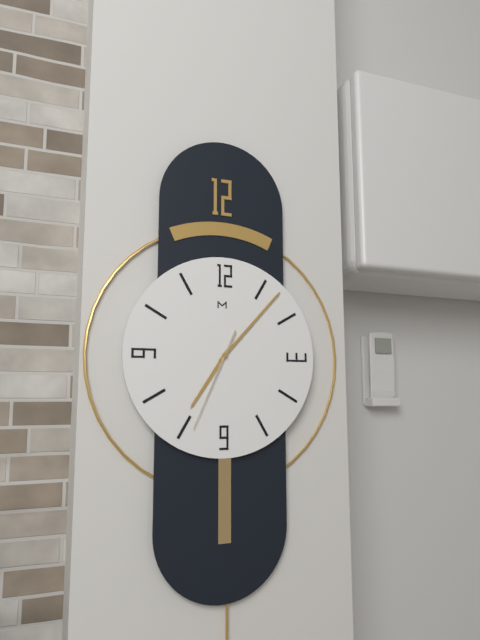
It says 7:07:34
